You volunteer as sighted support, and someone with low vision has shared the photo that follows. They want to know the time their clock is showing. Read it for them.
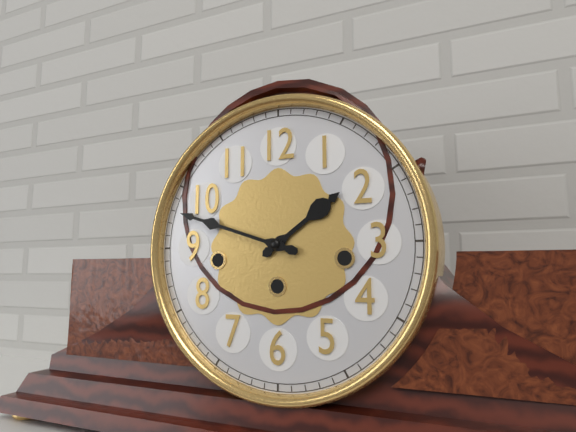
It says 1:48
